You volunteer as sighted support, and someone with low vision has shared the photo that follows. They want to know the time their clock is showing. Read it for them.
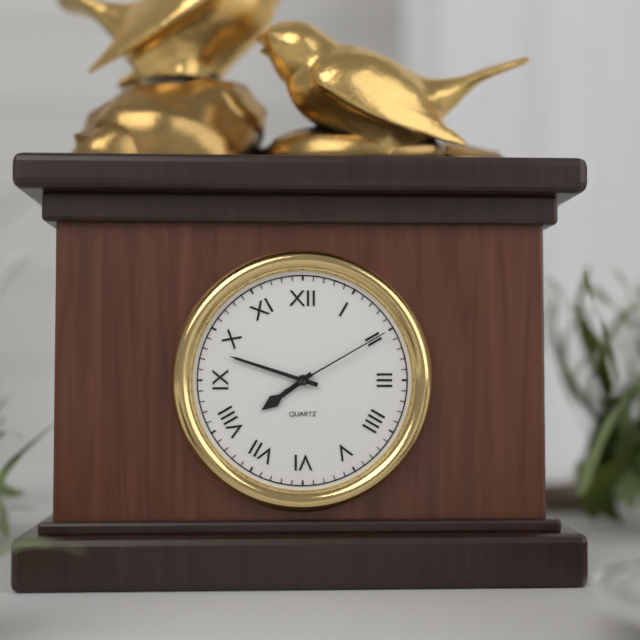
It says 7:48:10
